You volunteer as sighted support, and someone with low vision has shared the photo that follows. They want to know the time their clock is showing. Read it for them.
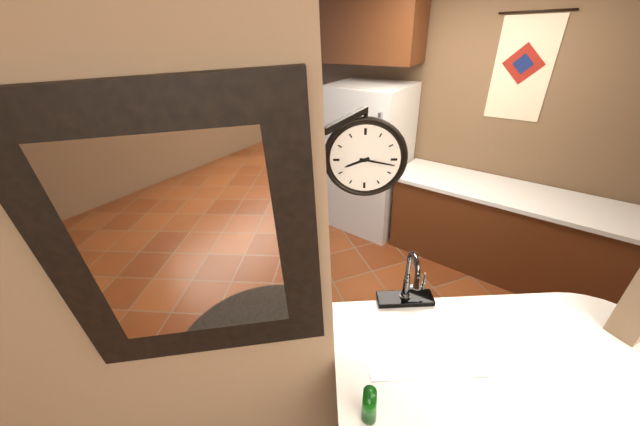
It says 8:17
